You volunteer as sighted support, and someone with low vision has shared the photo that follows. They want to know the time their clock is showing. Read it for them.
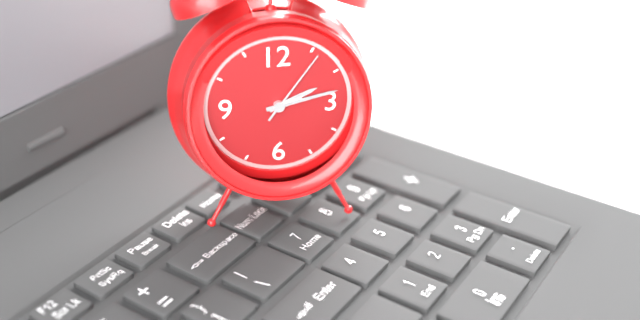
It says 2:13:06
